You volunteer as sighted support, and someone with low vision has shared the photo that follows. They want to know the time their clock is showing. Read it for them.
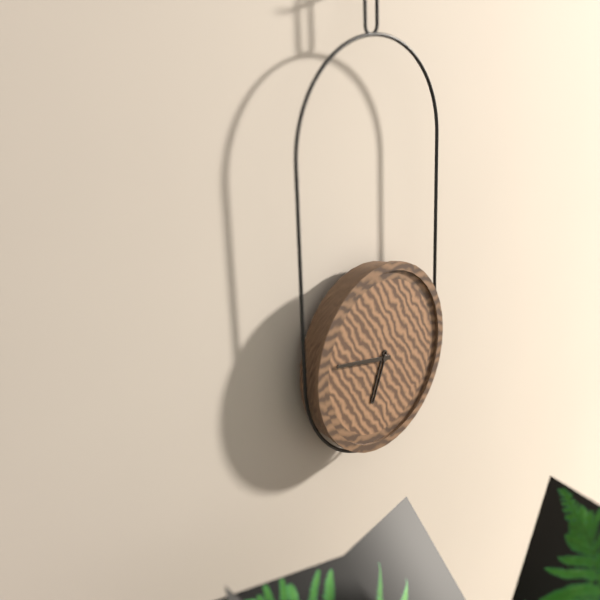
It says 6:47
